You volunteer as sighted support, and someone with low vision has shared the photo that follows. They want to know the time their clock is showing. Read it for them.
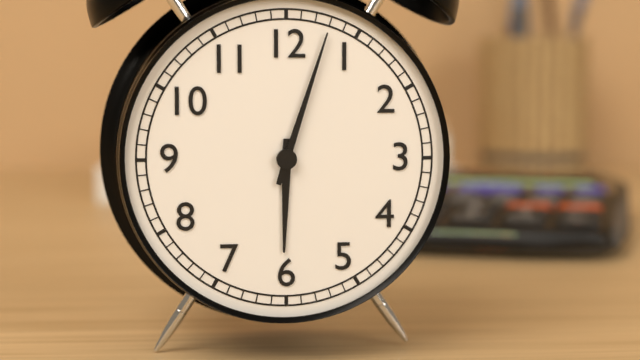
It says 6:03
